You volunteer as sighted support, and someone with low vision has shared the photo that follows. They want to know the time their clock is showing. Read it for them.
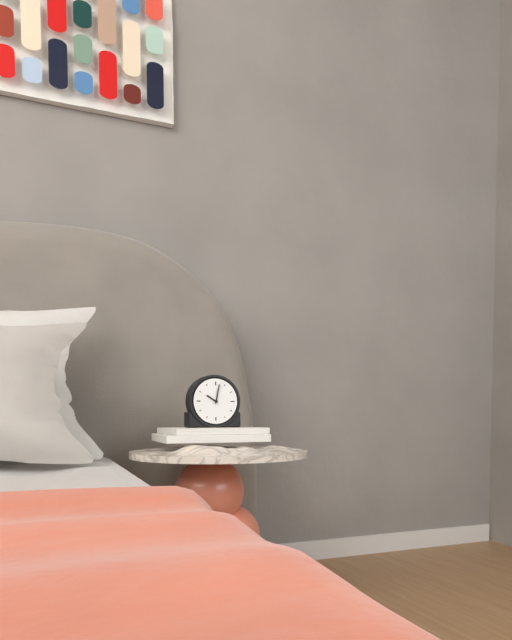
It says 10:02
